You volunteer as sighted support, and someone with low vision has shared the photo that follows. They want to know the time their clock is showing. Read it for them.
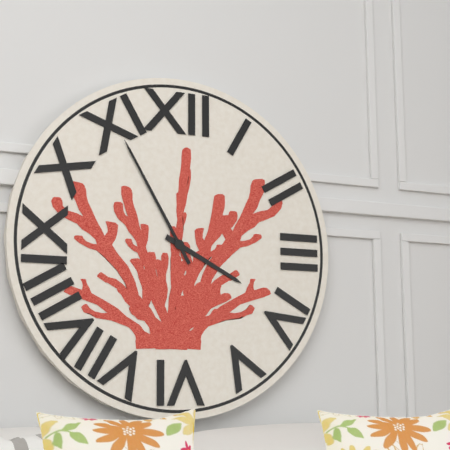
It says 3:55
